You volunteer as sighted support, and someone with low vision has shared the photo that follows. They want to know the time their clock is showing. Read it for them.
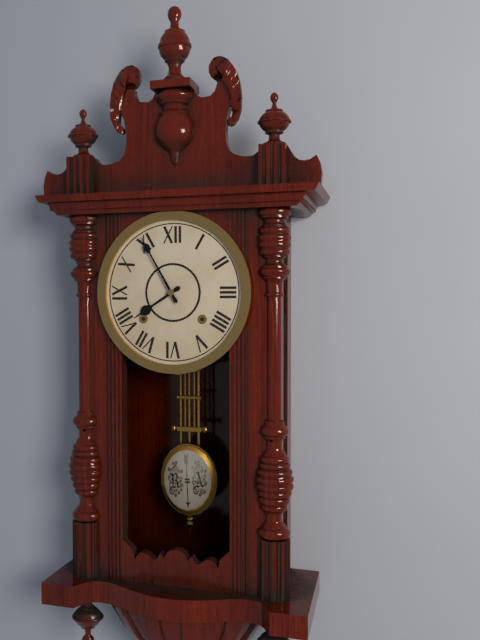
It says 7:55
